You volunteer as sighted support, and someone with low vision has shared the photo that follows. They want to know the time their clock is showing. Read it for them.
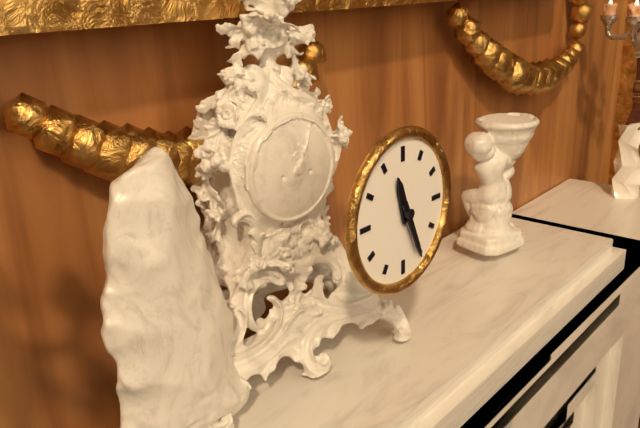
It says 11:26
